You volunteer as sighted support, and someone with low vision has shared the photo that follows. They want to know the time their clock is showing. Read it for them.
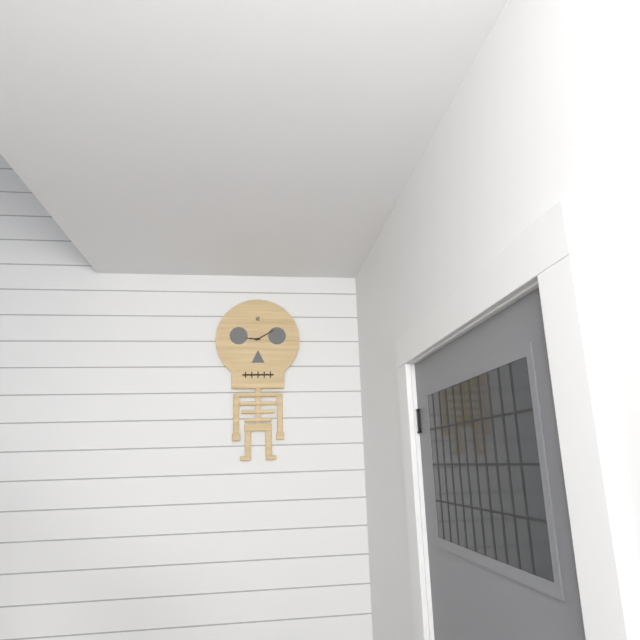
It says 9:10
